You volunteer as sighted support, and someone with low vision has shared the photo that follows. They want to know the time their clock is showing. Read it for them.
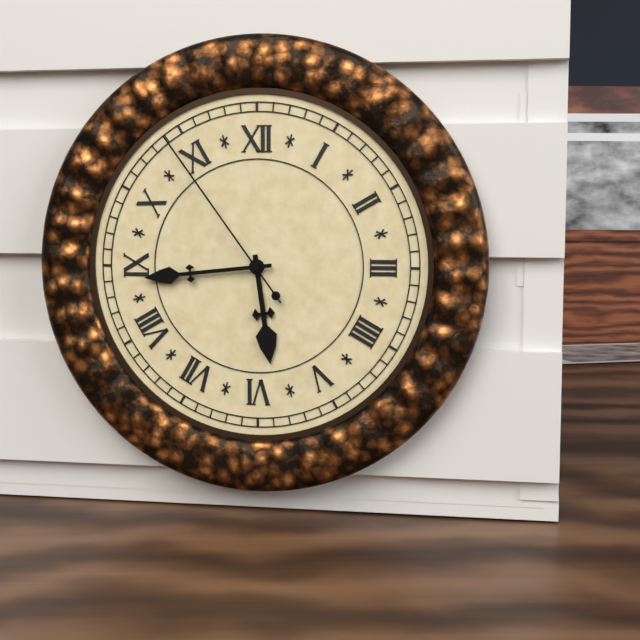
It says 5:44:54
